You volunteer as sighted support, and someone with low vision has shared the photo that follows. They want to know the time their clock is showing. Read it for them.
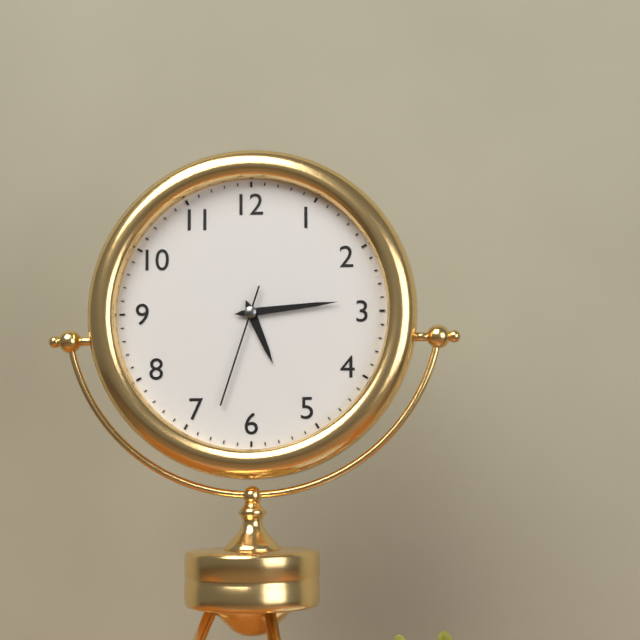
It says 5:14:33
